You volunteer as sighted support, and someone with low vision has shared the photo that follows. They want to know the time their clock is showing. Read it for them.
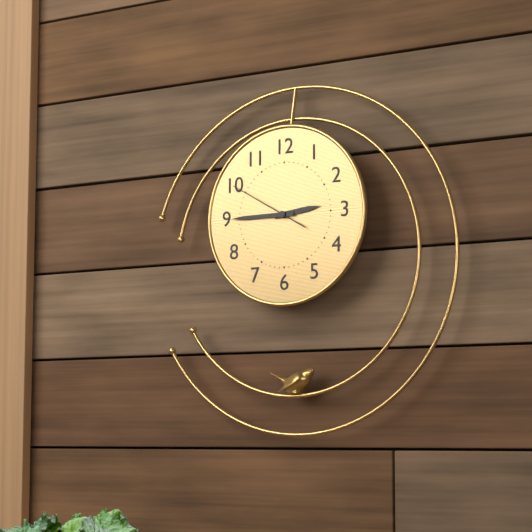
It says 2:45:50
